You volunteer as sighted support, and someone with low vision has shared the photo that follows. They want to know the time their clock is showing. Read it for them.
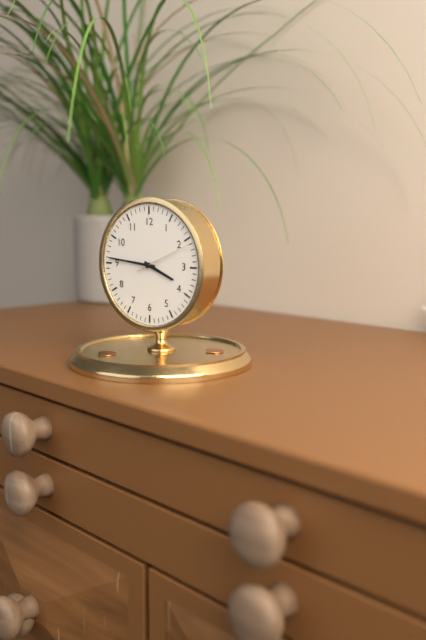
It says 3:46:11
